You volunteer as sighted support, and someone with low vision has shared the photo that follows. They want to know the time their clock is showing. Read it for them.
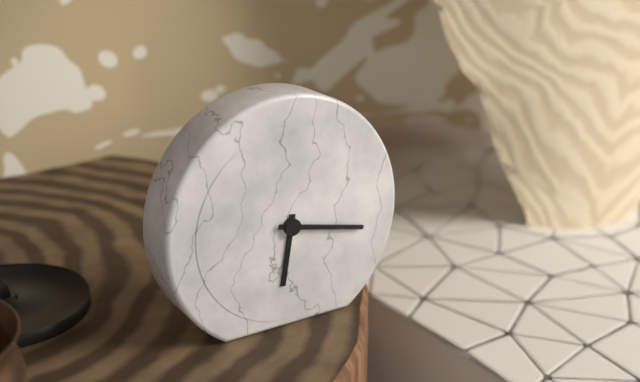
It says 6:17
